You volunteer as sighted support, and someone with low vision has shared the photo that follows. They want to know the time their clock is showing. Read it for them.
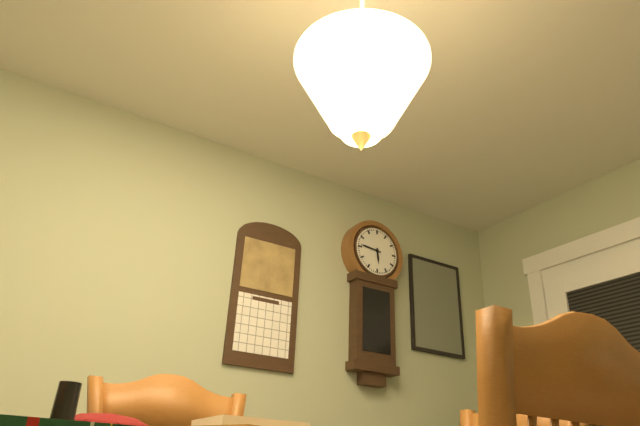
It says 5:46
